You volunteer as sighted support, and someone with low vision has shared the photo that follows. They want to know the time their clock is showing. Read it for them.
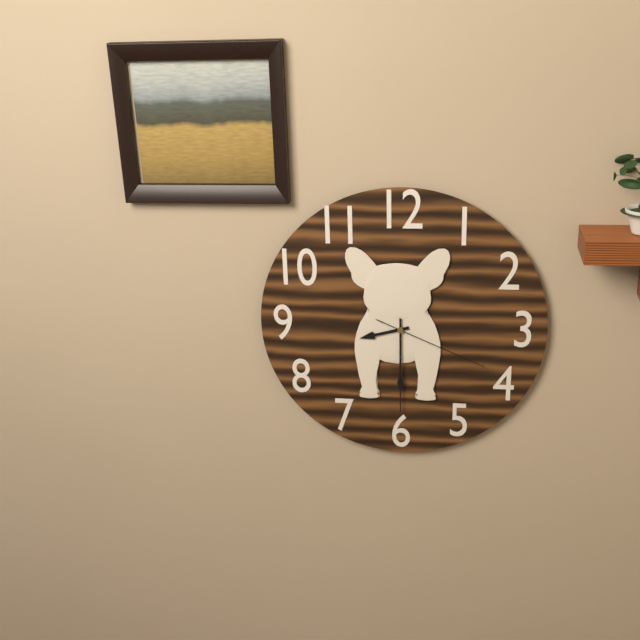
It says 8:30:19
